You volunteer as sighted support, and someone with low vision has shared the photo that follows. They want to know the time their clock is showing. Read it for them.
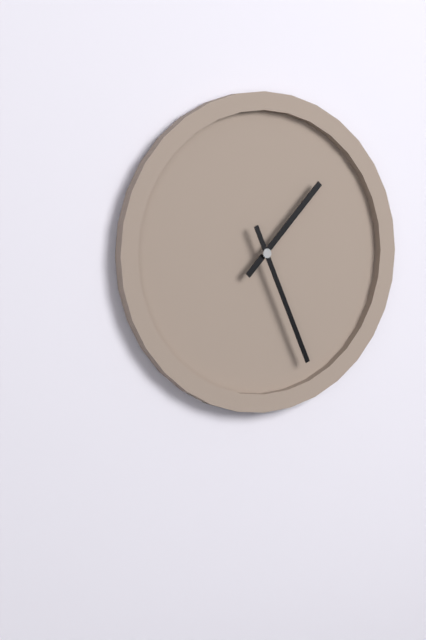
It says 1:26
